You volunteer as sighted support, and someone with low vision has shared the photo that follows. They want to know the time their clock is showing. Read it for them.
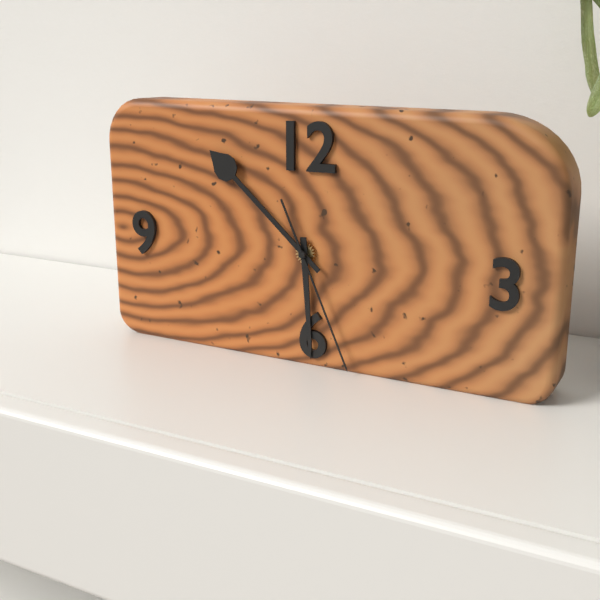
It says 5:52:26
